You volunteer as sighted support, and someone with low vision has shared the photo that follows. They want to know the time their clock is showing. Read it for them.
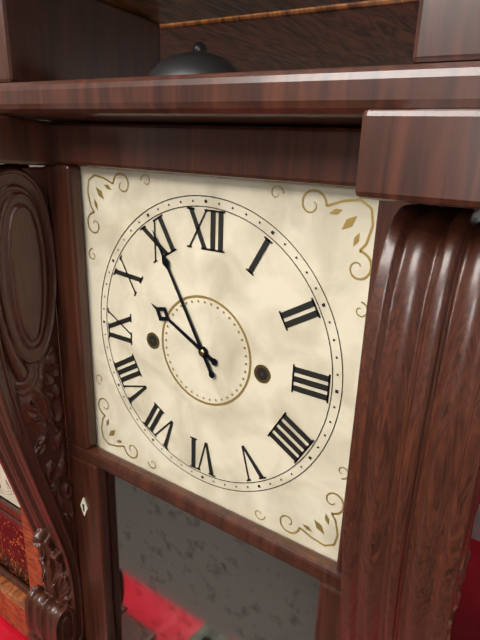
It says 9:55
